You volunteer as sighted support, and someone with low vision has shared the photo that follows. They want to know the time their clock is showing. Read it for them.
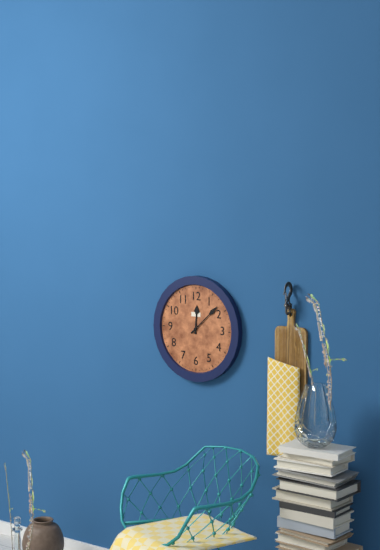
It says 12:08
